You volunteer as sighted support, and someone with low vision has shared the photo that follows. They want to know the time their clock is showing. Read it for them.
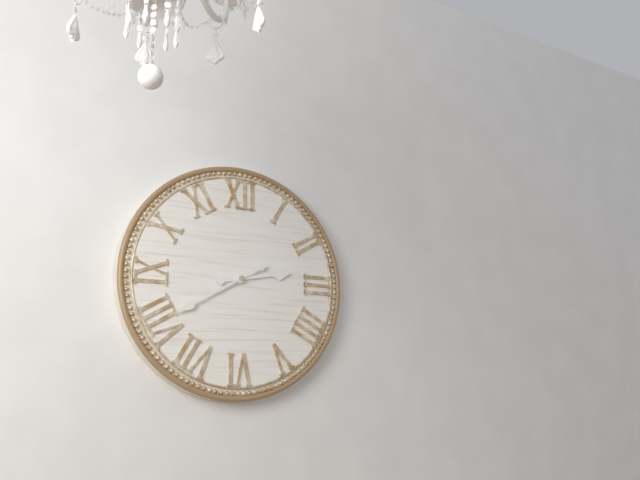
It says 2:40
